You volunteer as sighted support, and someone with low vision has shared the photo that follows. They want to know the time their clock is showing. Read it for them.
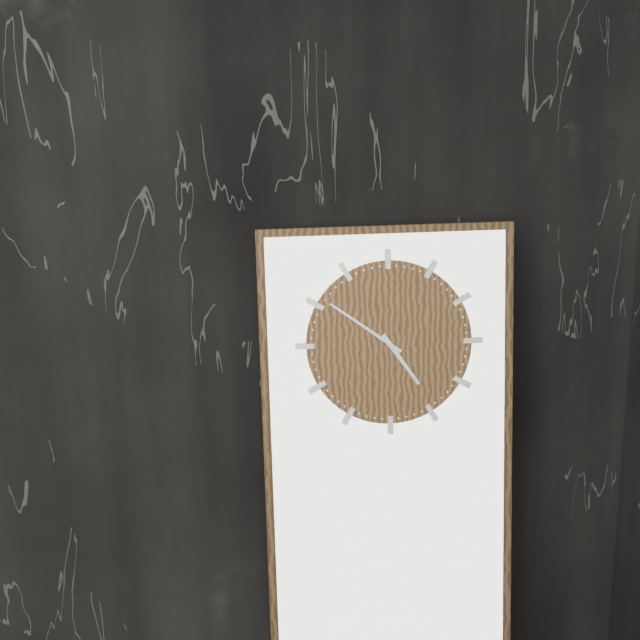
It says 4:51
